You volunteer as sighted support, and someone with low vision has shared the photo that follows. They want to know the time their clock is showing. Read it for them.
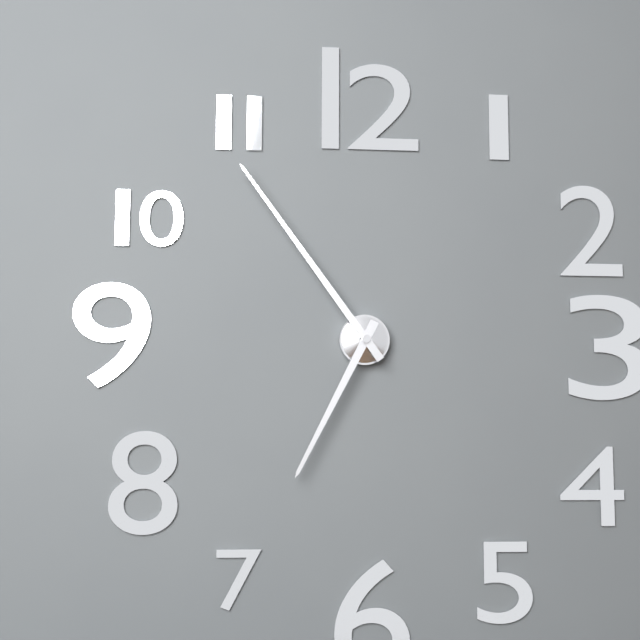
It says 6:54
